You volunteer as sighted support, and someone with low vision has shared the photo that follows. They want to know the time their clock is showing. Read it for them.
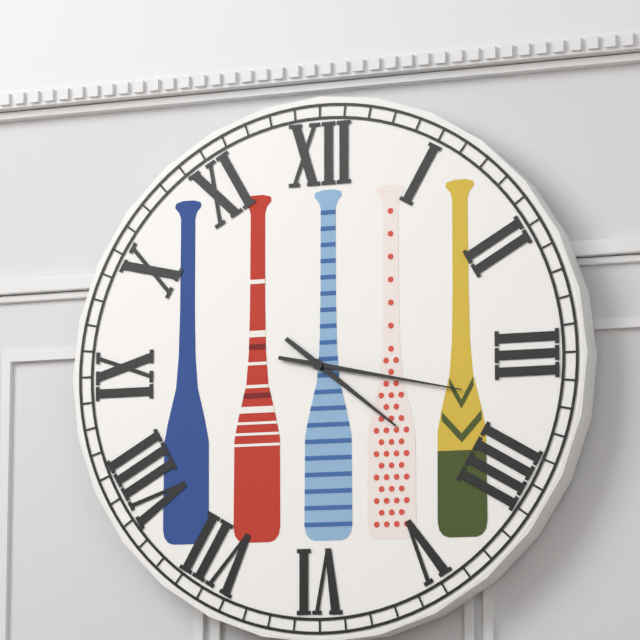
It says 4:17
